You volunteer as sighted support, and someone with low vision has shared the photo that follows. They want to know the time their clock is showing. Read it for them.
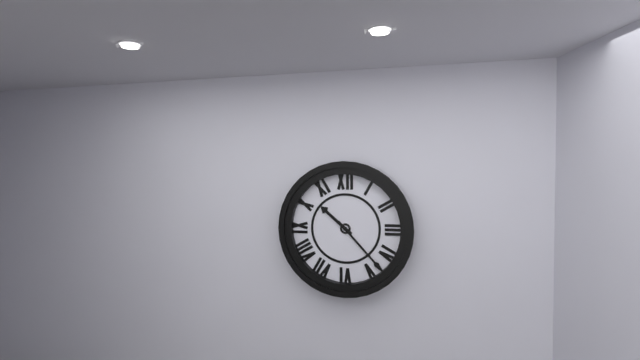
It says 10:23
